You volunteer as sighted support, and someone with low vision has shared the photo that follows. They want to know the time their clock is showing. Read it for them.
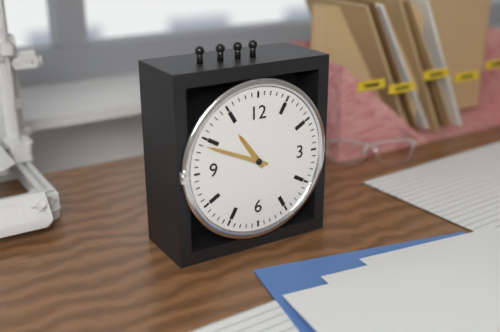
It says 10:49
